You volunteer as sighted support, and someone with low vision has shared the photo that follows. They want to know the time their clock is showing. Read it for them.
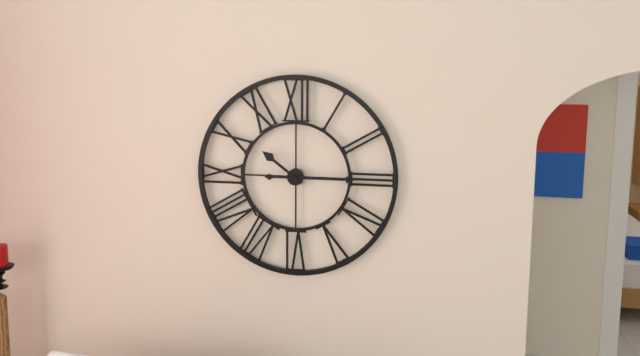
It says 10:15
